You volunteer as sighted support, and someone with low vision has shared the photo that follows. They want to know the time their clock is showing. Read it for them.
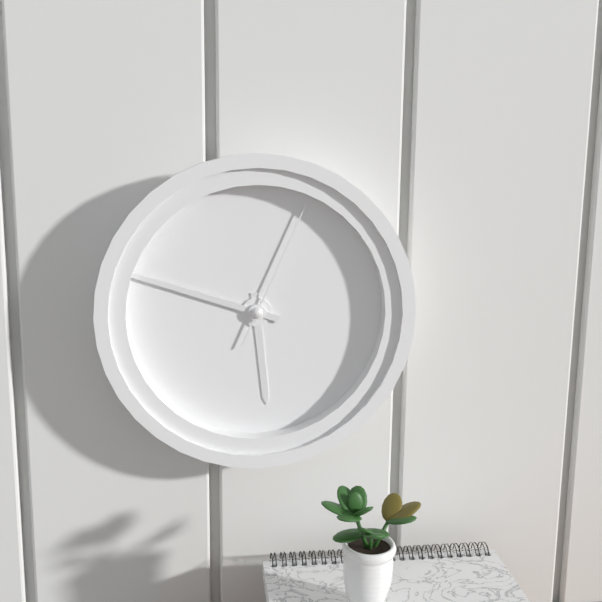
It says 5:48:04
